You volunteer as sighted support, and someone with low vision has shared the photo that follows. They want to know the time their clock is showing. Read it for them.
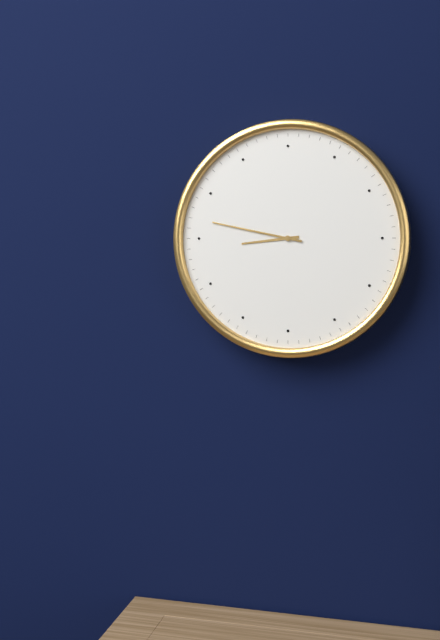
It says 8:47
